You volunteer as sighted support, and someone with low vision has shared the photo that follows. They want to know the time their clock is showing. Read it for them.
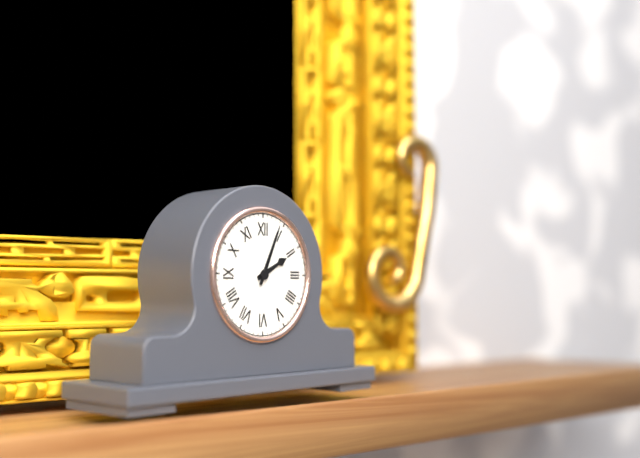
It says 2:04
